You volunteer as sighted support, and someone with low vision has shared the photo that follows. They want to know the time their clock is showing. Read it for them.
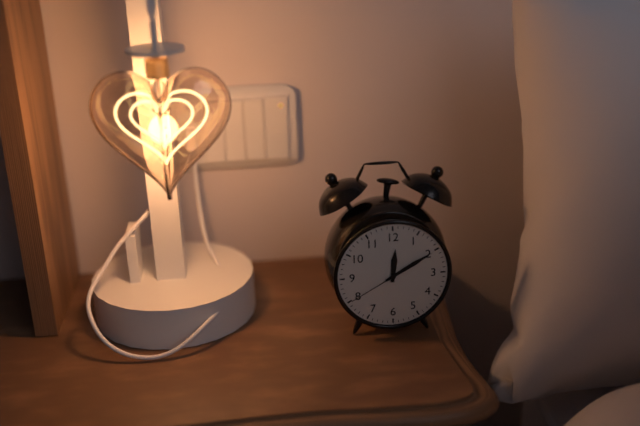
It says 12:10:40
